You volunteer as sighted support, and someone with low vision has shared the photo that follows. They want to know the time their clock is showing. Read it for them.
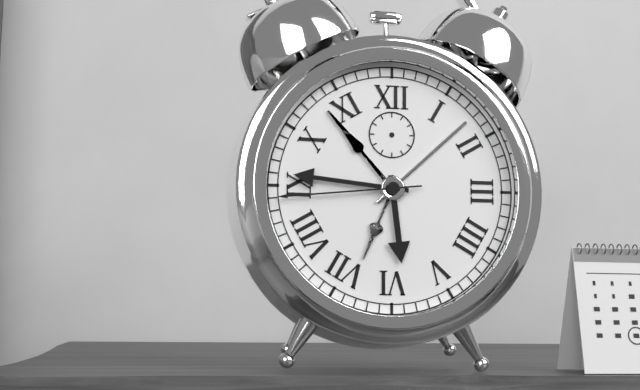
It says 5:46:44
